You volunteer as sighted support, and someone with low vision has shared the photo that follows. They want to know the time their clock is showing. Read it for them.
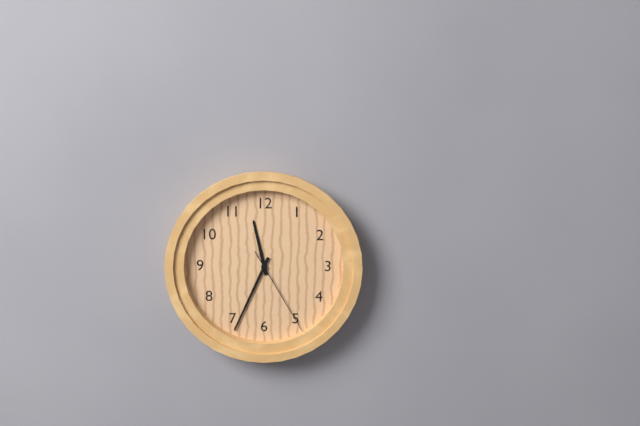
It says 11:34:25
